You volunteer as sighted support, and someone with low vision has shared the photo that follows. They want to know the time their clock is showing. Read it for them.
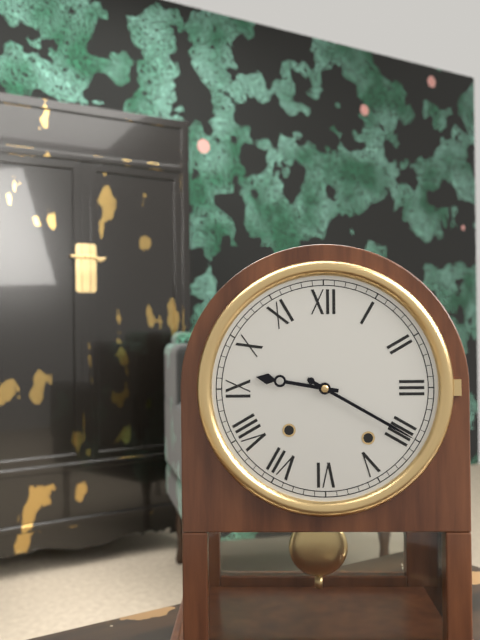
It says 9:20
